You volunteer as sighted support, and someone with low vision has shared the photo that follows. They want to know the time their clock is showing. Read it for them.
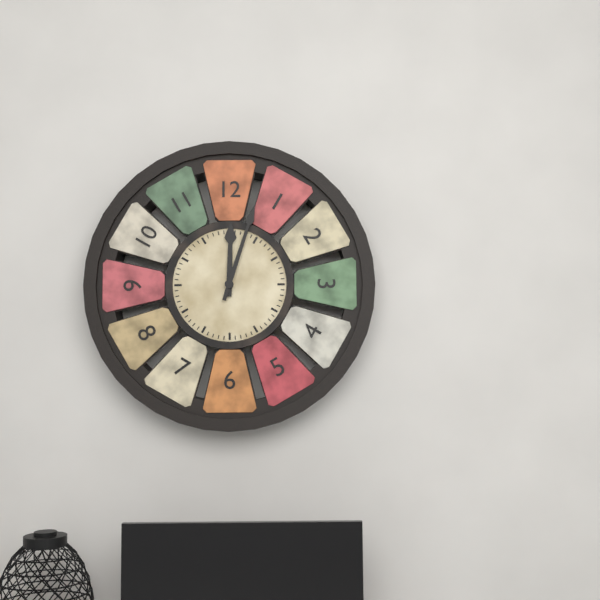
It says 12:03
